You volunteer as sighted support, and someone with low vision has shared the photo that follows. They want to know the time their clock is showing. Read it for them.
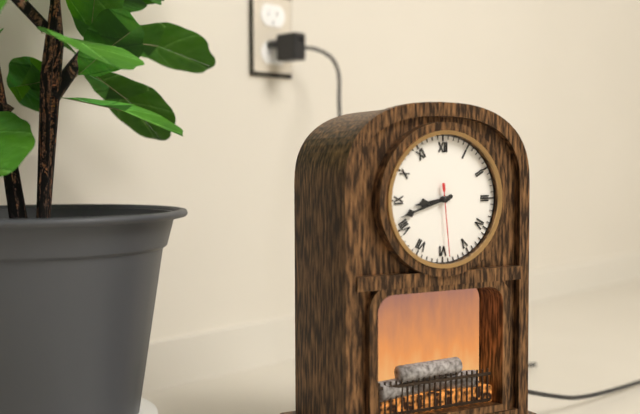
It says 8:42:29
